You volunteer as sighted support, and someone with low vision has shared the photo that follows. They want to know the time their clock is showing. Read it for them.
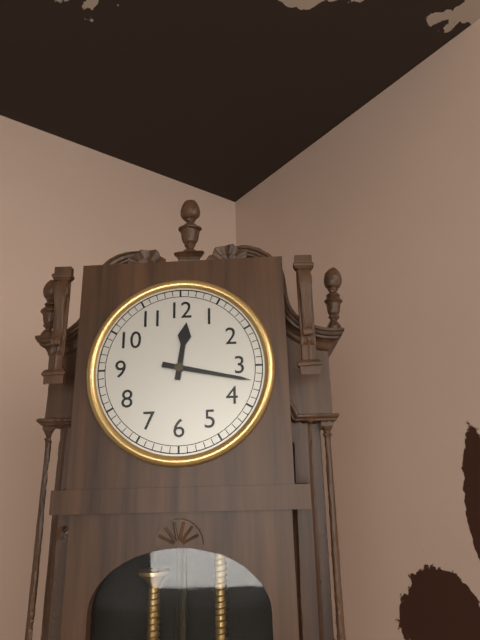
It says 12:17
